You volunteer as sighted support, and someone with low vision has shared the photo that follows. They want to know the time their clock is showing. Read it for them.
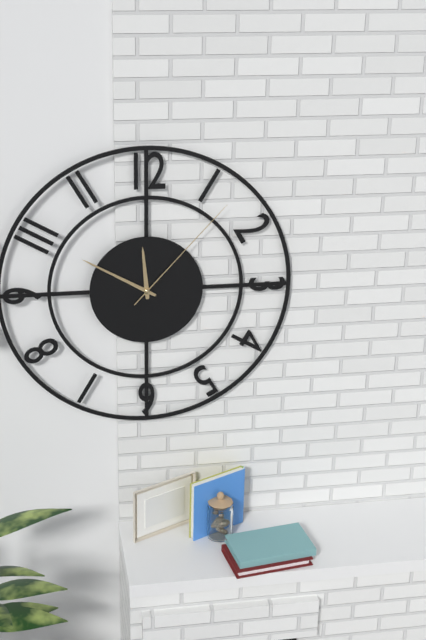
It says 11:50:07
